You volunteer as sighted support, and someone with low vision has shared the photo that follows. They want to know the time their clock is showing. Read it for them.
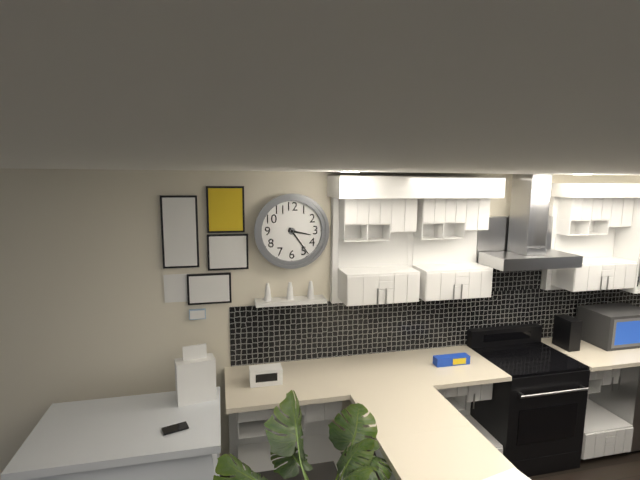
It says 3:24
